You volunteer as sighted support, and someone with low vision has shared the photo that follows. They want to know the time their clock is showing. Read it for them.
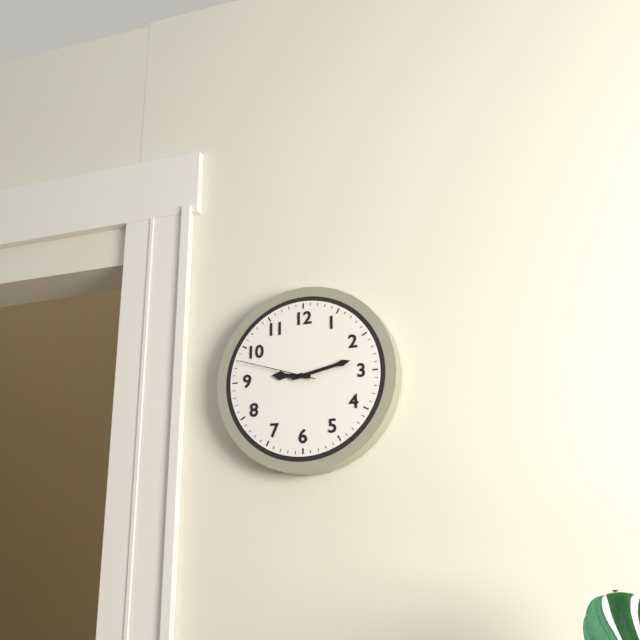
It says 9:13:48
